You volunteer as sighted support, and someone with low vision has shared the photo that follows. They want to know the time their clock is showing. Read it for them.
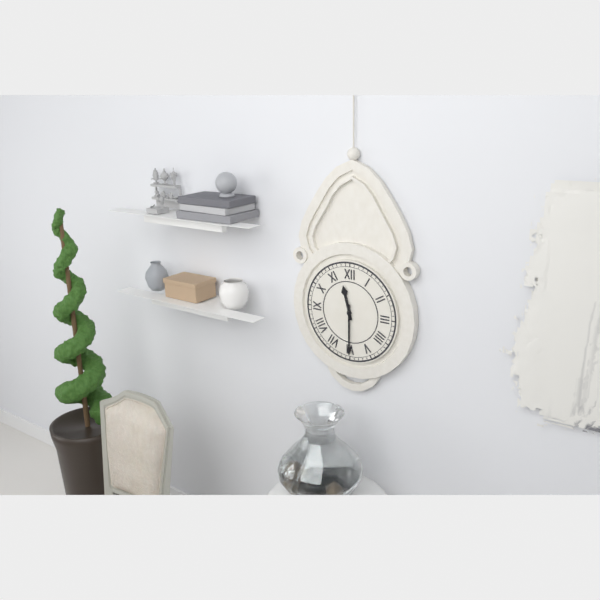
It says 11:30
